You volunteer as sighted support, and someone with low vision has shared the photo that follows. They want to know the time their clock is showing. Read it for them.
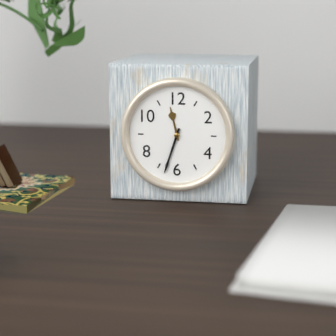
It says 11:33
